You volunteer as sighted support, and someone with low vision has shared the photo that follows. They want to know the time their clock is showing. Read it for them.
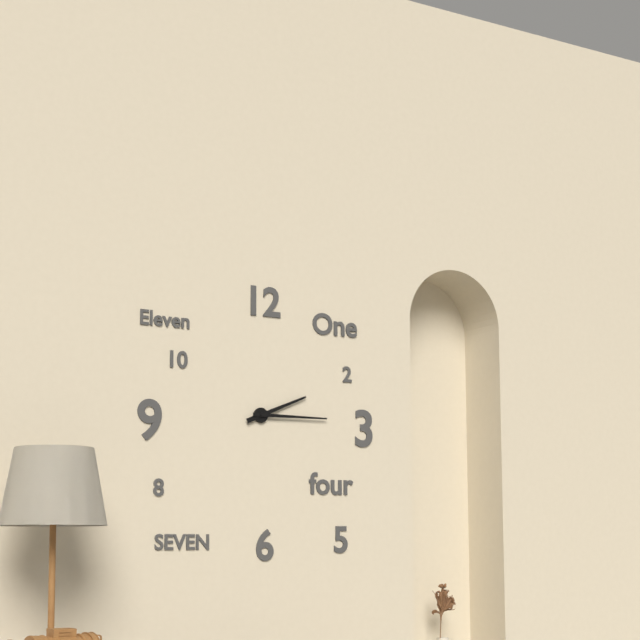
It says 2:15
